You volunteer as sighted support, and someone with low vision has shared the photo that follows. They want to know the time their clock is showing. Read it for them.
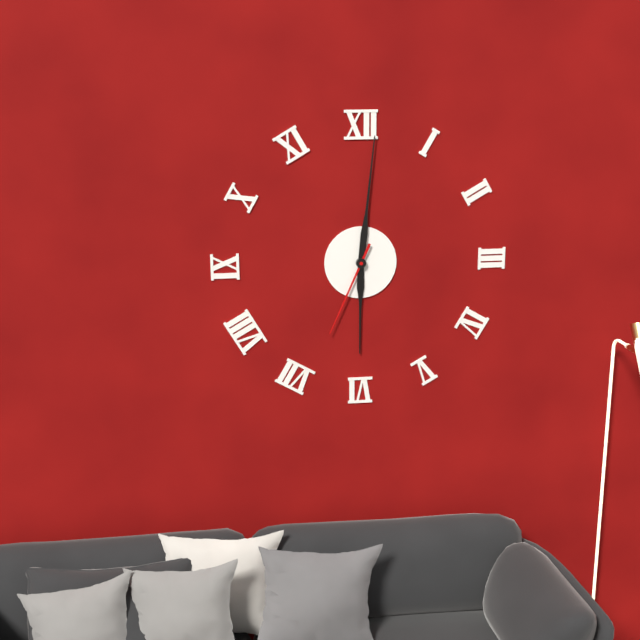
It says 6:01:34
